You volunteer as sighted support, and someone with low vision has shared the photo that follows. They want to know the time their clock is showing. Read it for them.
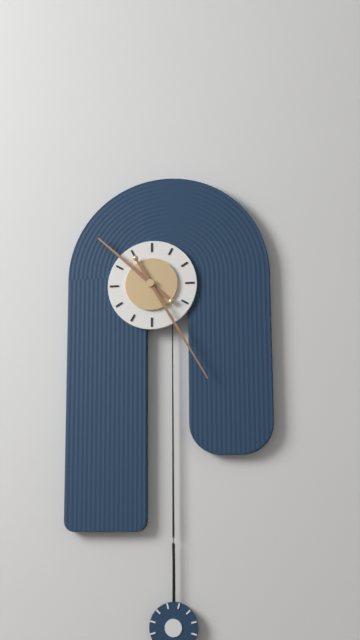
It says 10:25
